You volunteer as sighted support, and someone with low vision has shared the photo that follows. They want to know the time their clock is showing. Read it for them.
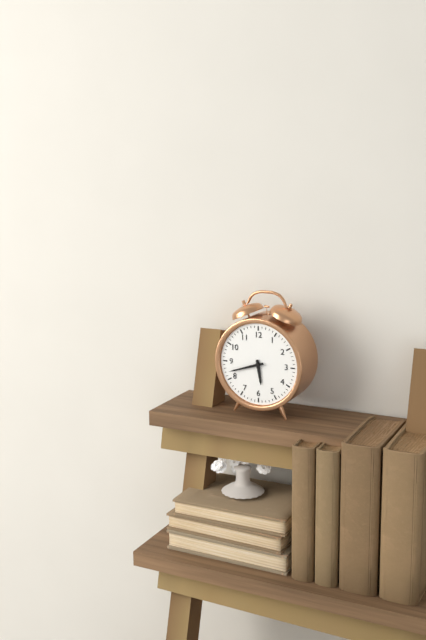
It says 5:42
